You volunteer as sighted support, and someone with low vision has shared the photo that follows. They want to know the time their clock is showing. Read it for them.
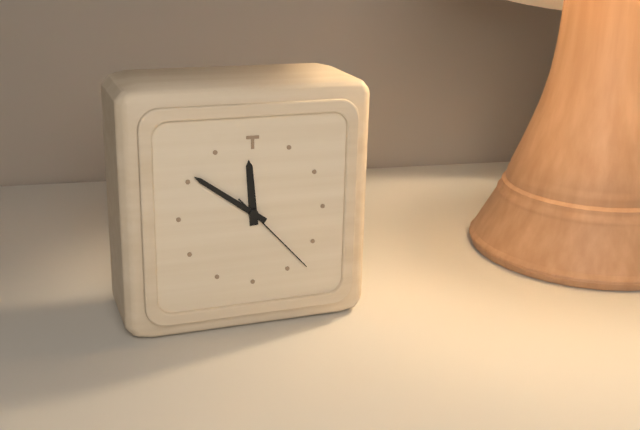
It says 11:51:23
